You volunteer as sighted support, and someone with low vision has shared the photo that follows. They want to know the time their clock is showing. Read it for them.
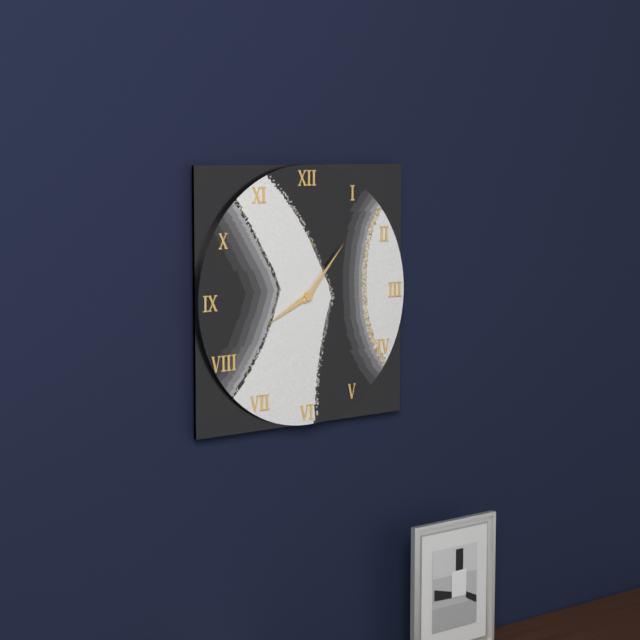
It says 8:07
